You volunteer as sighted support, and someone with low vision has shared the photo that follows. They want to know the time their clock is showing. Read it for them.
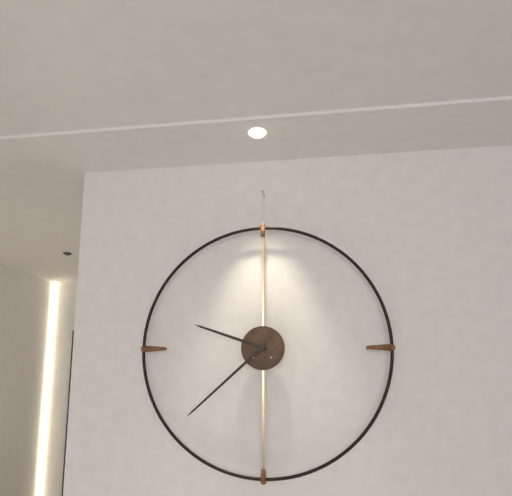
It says 9:38
